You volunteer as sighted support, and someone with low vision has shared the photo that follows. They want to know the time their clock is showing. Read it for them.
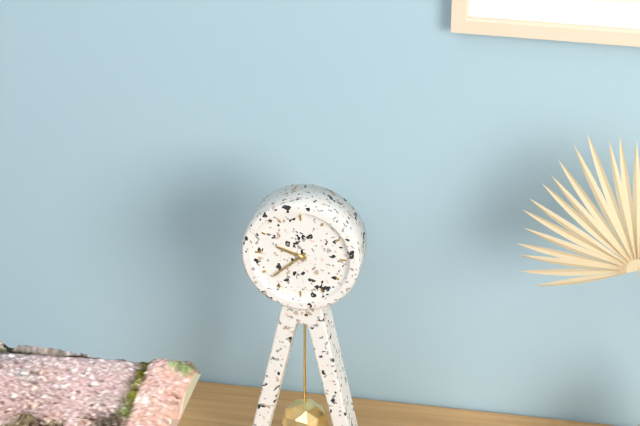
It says 9:38
